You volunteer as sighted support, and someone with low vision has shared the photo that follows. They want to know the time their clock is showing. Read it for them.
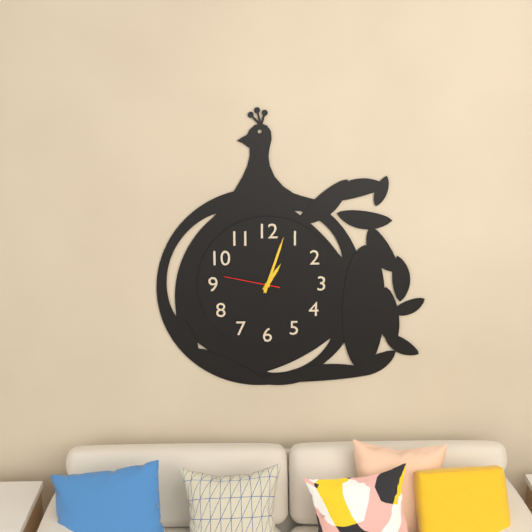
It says 1:03:47
